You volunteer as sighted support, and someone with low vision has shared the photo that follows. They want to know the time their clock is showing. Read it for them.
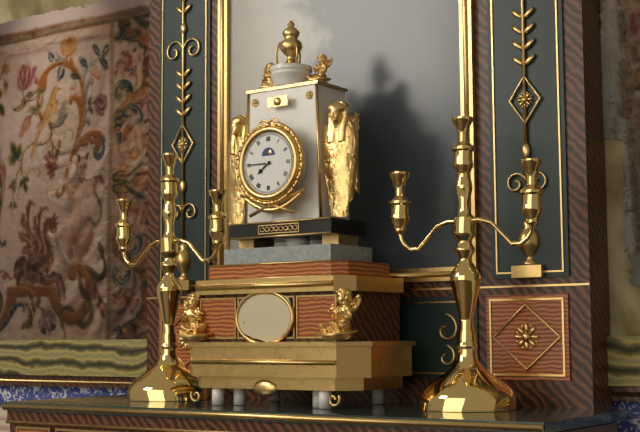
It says 7:45
